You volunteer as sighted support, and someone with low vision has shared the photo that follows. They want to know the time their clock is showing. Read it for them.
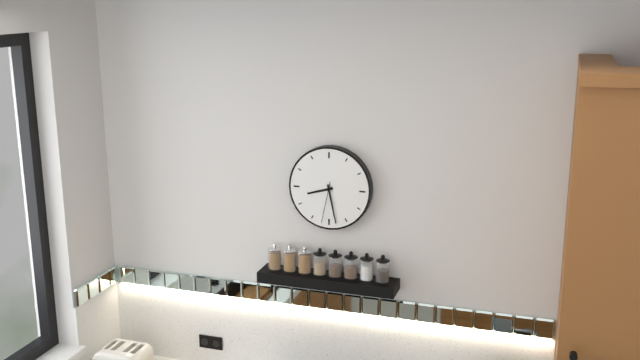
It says 8:28
